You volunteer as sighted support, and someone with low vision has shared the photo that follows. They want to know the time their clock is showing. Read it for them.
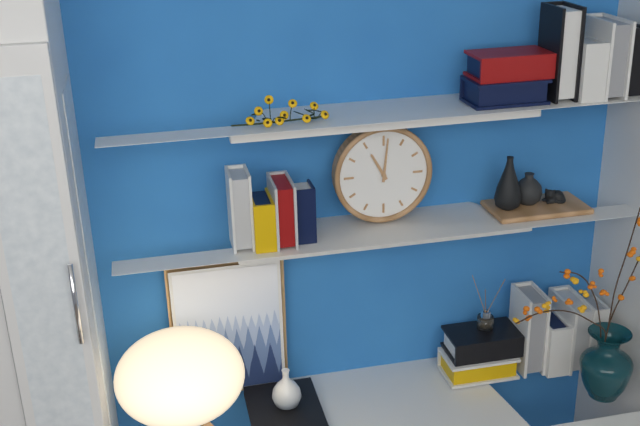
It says 11:01
